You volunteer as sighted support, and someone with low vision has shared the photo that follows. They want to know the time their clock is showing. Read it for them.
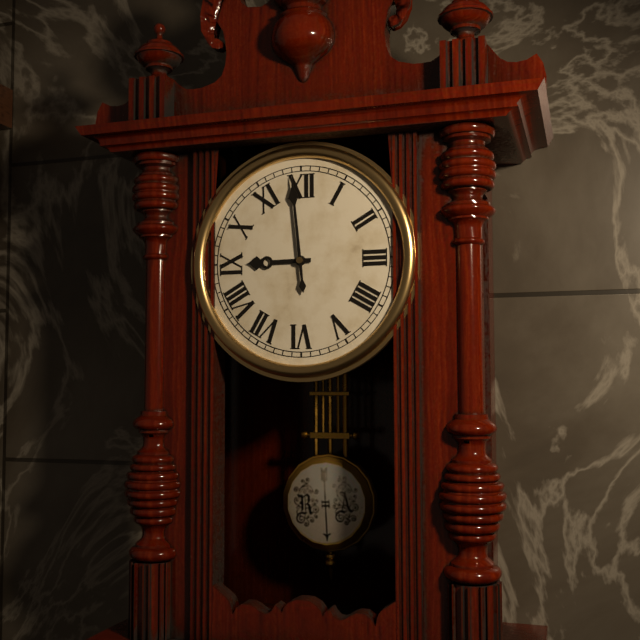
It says 8:59
